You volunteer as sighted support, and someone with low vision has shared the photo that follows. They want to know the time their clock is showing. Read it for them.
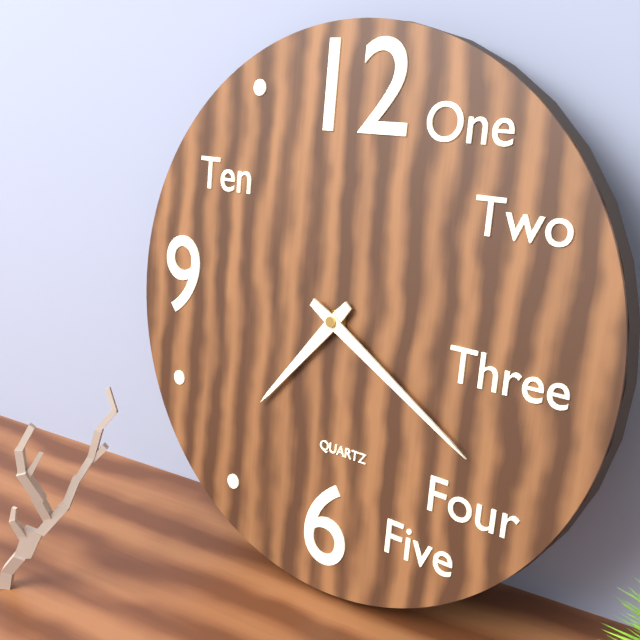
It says 7:20
